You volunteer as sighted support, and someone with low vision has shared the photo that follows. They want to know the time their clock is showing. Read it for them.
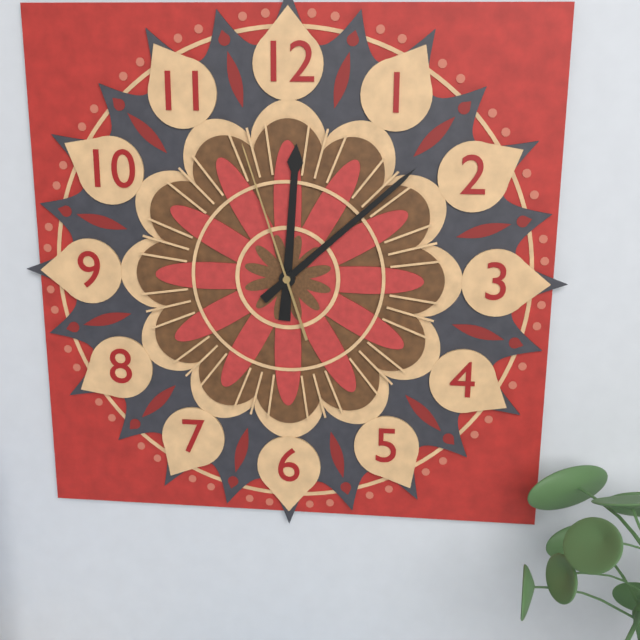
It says 12:08:57
